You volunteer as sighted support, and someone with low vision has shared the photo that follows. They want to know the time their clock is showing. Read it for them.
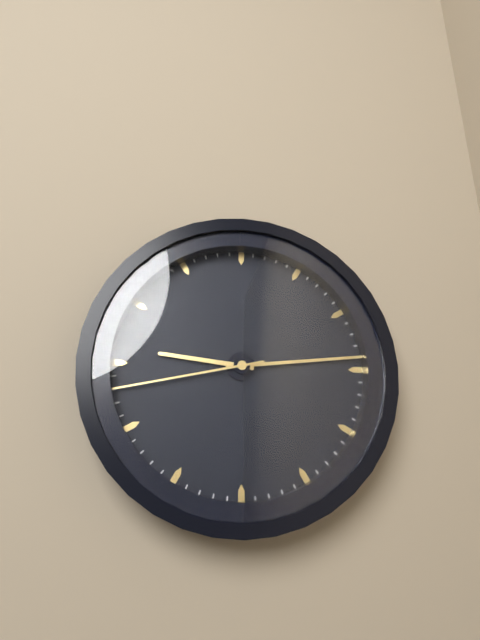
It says 9:14:43
